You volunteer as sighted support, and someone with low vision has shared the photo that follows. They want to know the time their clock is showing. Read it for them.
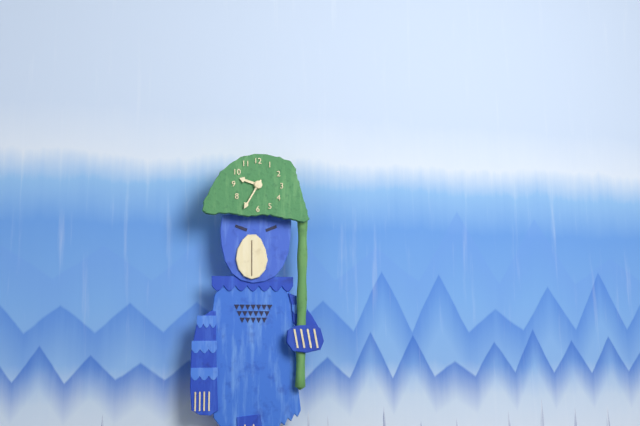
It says 9:35
